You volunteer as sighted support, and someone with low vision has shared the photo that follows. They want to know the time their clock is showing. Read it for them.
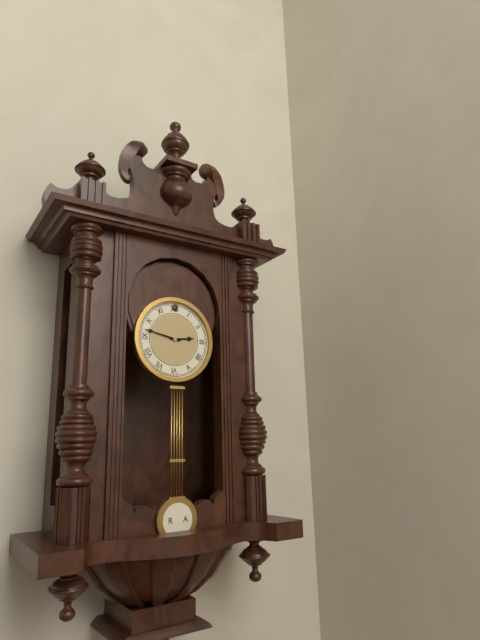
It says 2:47
